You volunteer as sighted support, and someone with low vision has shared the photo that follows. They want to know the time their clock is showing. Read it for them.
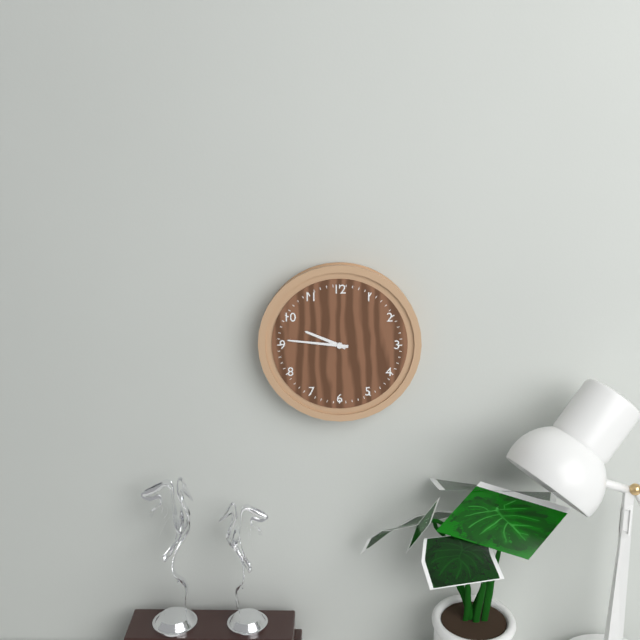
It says 9:46
